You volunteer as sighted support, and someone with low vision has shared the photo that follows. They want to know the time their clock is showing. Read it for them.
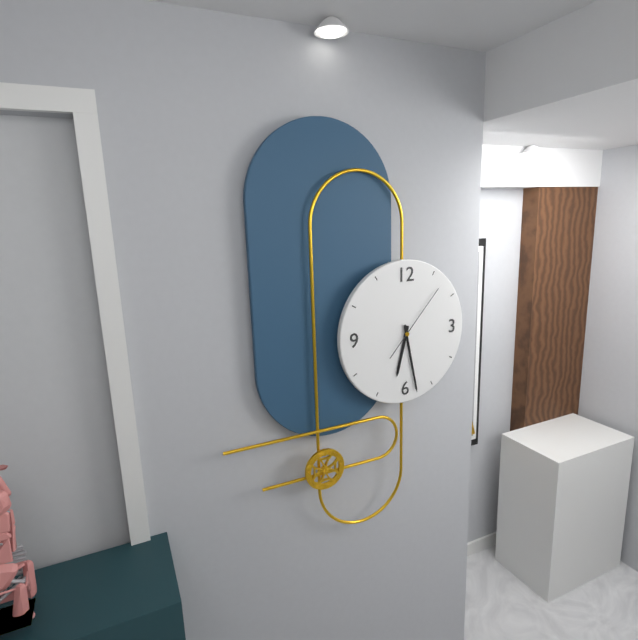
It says 6:28:07
